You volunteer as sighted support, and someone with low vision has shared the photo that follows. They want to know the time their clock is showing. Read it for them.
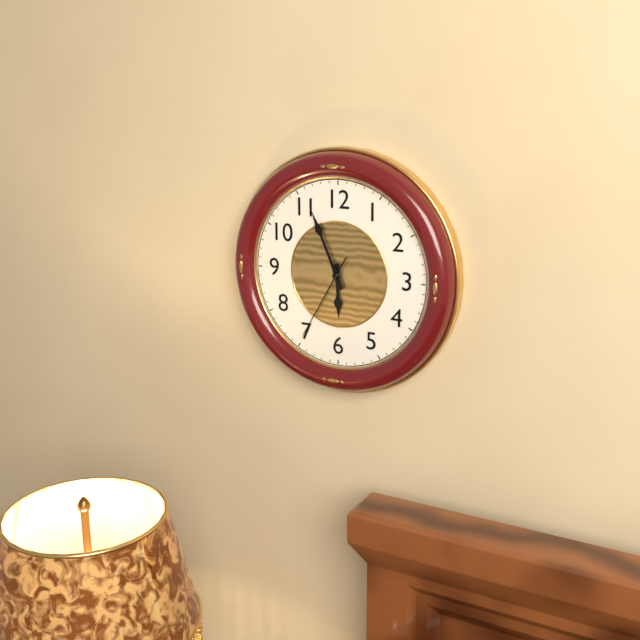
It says 5:56:35
